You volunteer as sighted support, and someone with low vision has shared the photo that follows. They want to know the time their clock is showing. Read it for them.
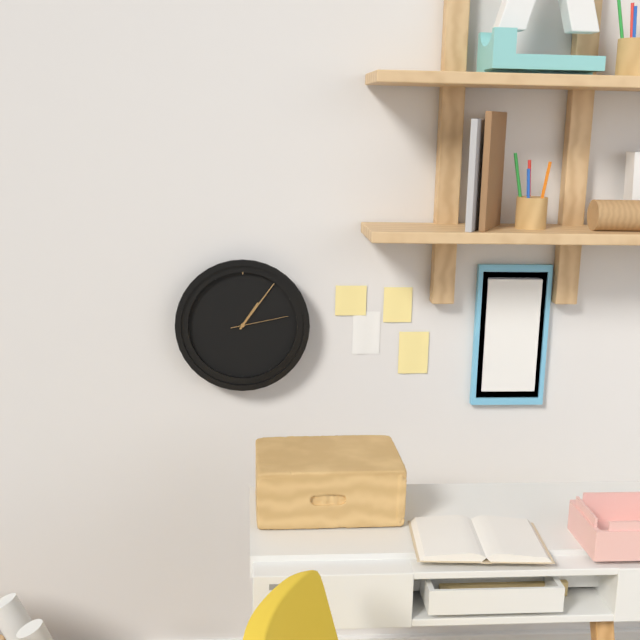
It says 1:06:13
